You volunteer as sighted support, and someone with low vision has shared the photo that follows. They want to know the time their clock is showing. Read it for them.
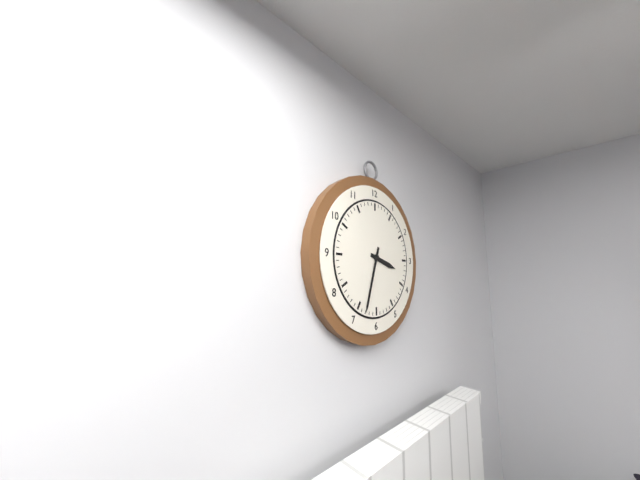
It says 3:33
